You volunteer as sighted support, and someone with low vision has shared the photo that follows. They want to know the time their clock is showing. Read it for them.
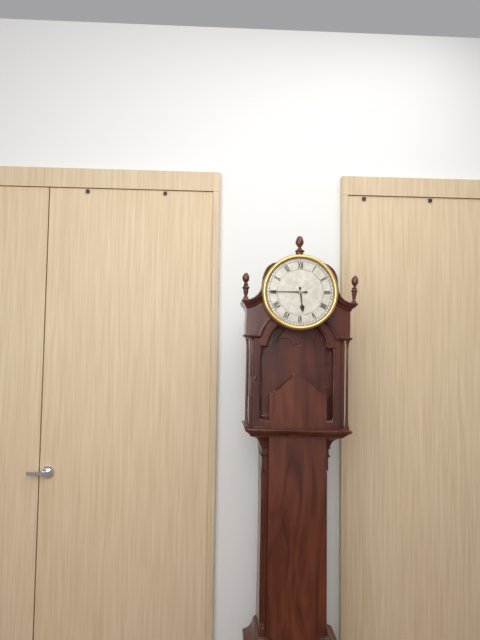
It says 5:45
